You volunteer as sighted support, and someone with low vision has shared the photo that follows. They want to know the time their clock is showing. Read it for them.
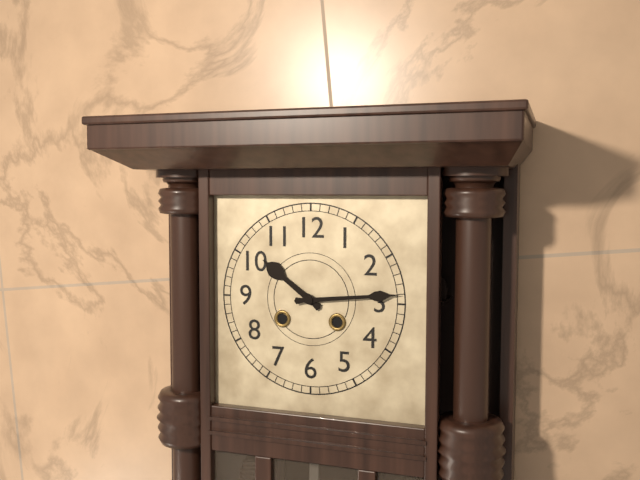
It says 10:14
